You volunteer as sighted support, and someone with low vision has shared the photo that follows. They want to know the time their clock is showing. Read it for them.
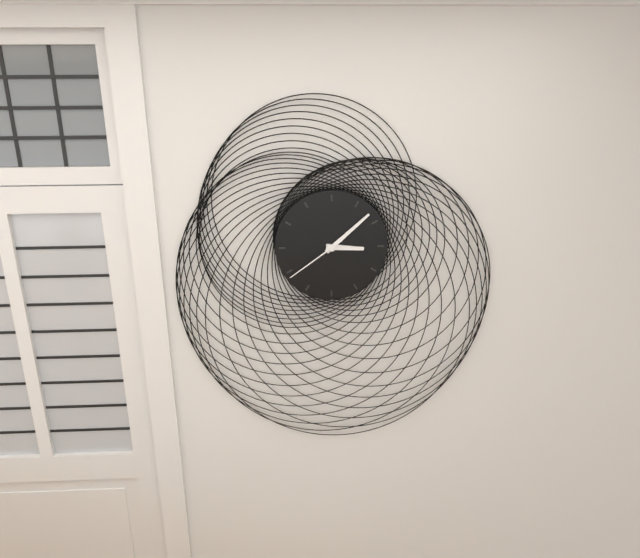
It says 3:08:39
